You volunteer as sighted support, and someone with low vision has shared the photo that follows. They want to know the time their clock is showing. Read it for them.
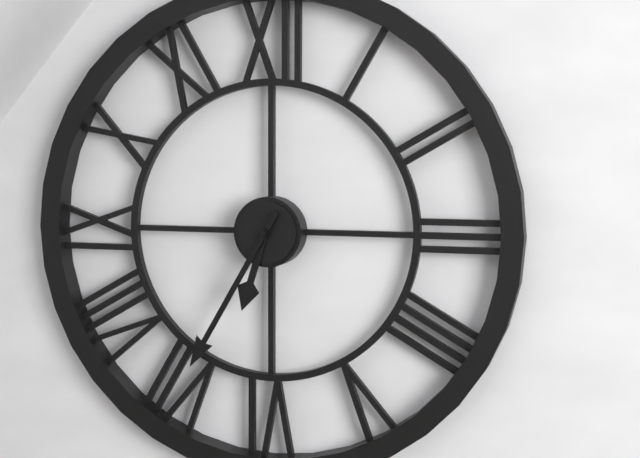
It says 6:35
